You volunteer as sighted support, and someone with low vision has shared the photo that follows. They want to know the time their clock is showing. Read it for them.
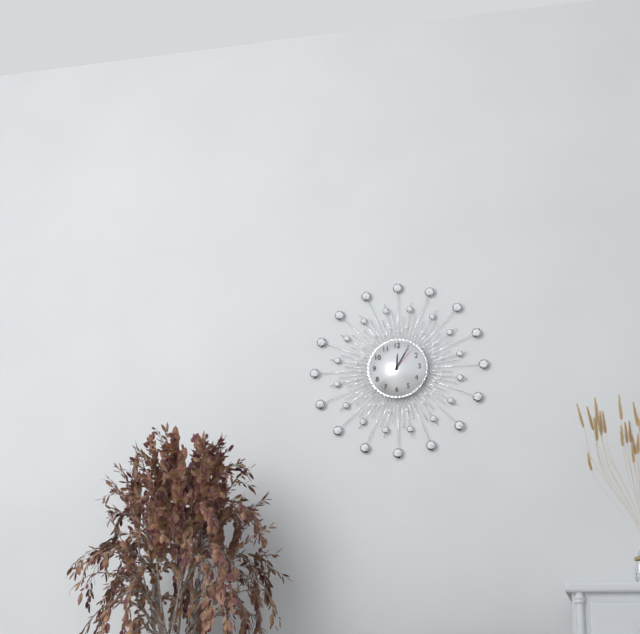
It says 12:05
